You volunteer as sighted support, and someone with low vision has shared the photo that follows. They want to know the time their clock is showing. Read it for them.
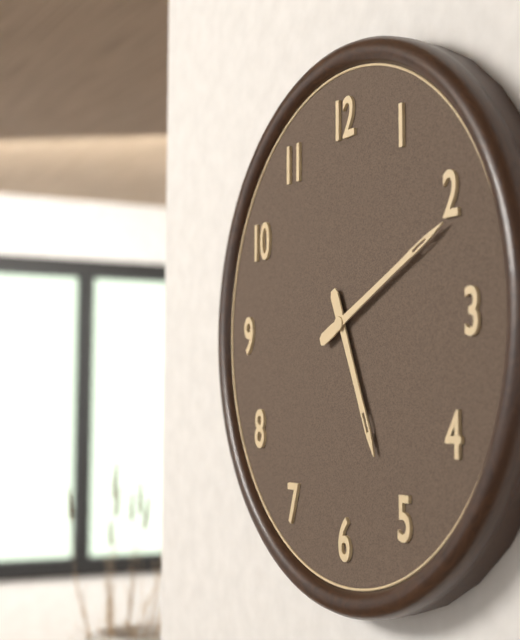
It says 5:11
